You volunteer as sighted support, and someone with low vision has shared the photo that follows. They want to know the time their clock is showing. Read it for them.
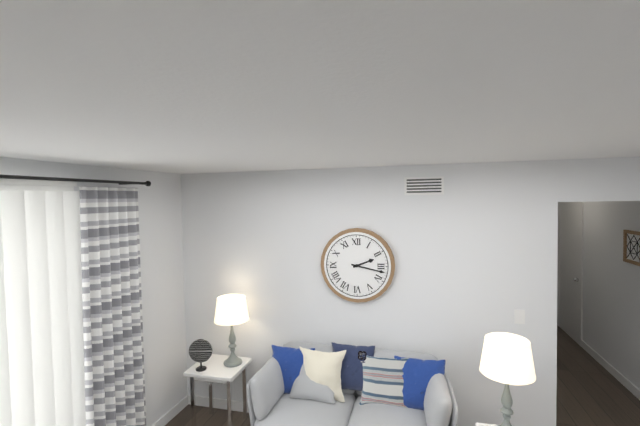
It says 2:17
